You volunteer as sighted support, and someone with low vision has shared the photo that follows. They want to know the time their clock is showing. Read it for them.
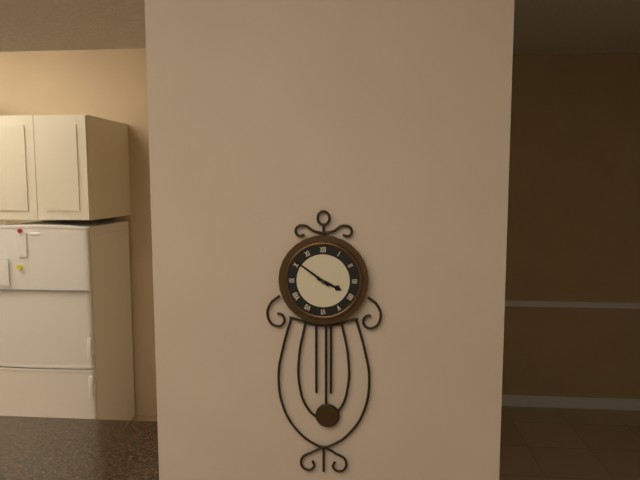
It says 3:51
